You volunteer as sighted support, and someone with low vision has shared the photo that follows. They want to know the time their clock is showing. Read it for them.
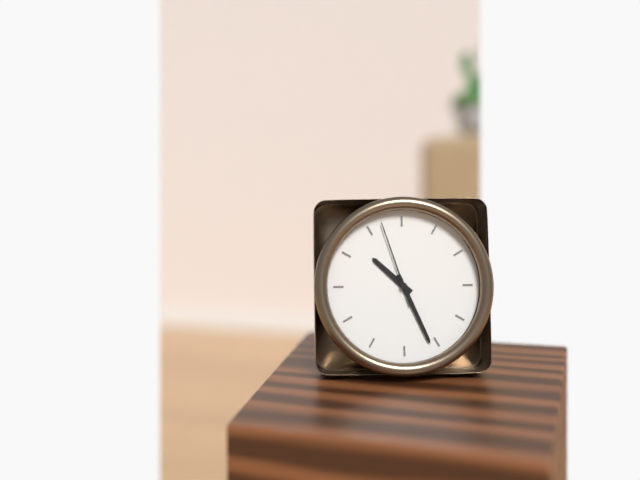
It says 10:26:57
